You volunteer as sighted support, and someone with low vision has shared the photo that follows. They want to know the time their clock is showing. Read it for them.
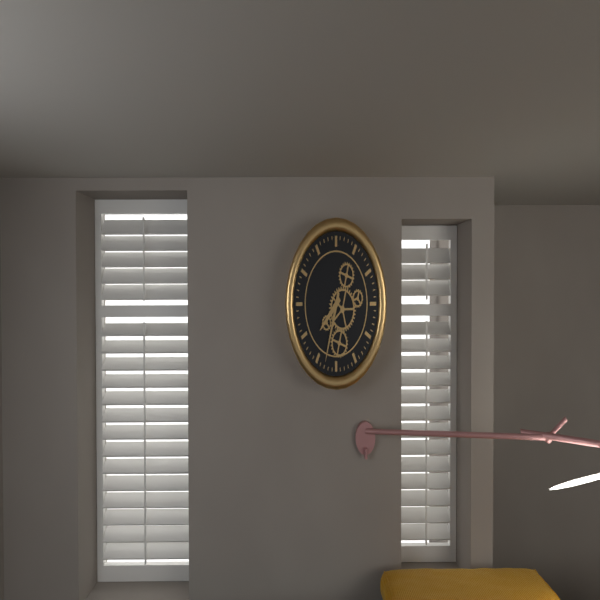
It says 7:33
